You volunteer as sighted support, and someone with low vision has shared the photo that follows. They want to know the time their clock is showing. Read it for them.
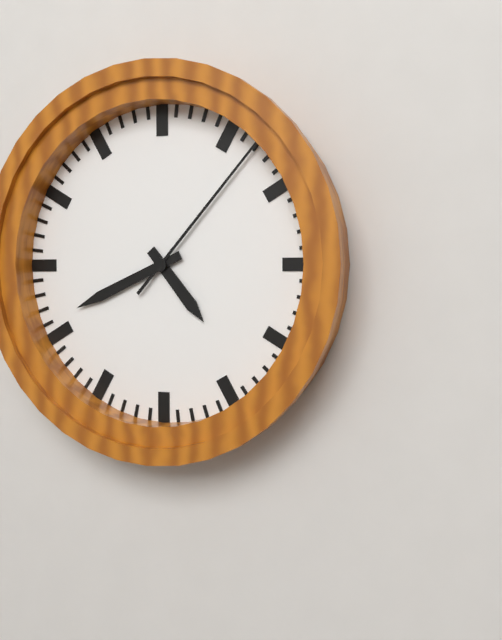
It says 4:41:07
